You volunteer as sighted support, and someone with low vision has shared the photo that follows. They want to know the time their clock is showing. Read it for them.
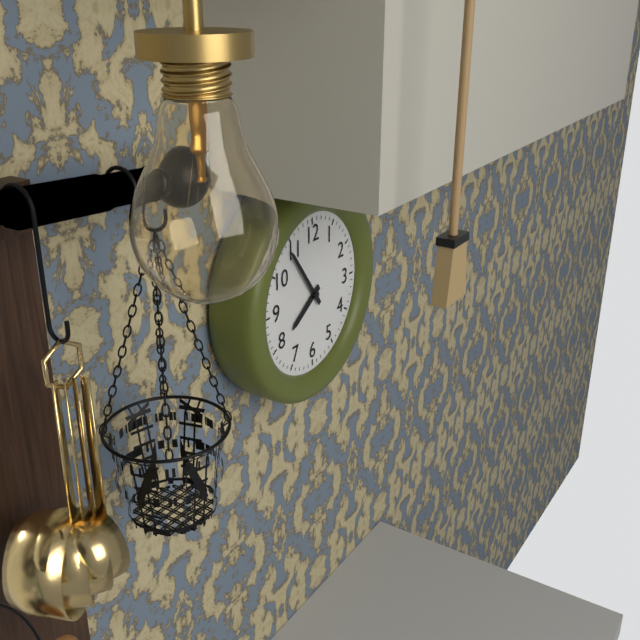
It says 7:54
